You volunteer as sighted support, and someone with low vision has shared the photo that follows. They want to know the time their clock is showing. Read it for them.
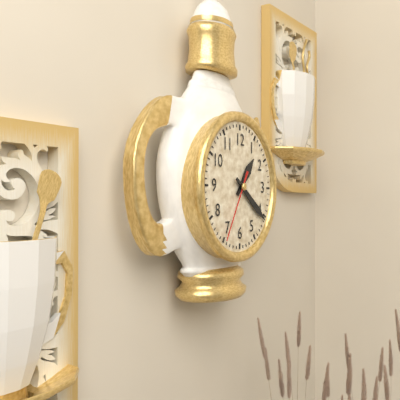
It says 1:21:35
